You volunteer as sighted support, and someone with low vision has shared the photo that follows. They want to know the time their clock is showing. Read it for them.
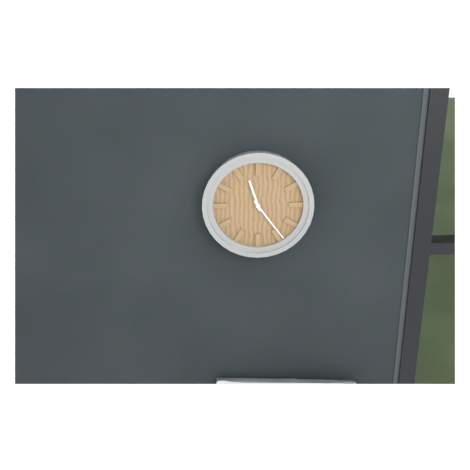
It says 11:24
